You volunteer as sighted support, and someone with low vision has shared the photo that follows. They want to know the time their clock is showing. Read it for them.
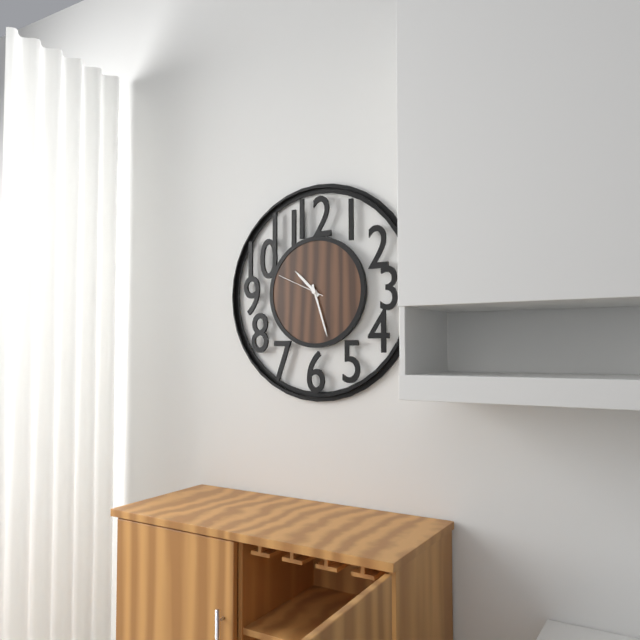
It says 10:27
